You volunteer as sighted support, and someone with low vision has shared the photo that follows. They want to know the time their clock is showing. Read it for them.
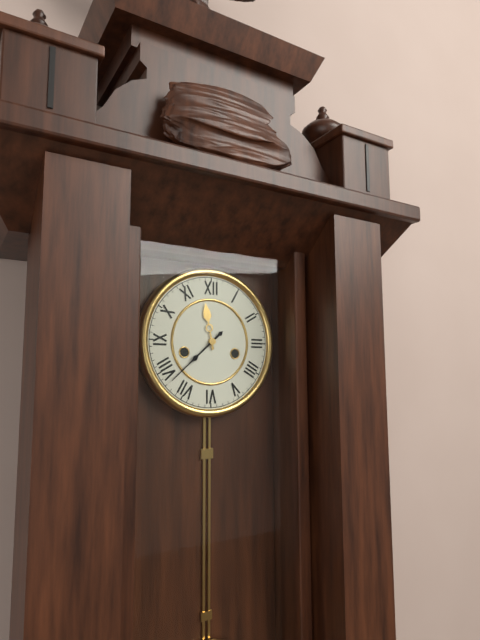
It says 11:38
